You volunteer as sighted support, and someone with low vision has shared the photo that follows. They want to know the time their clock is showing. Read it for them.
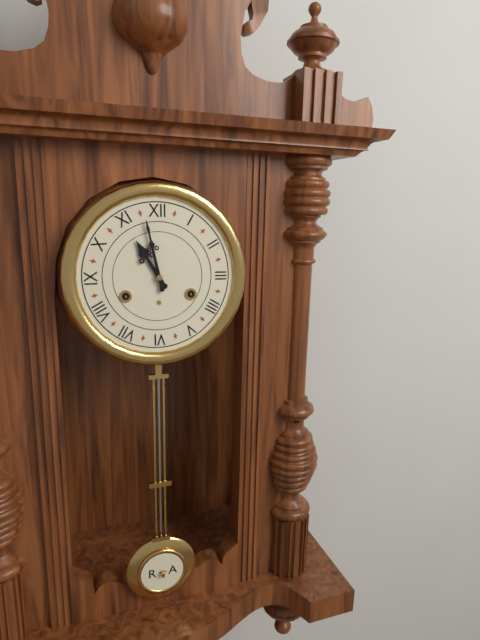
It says 10:58
